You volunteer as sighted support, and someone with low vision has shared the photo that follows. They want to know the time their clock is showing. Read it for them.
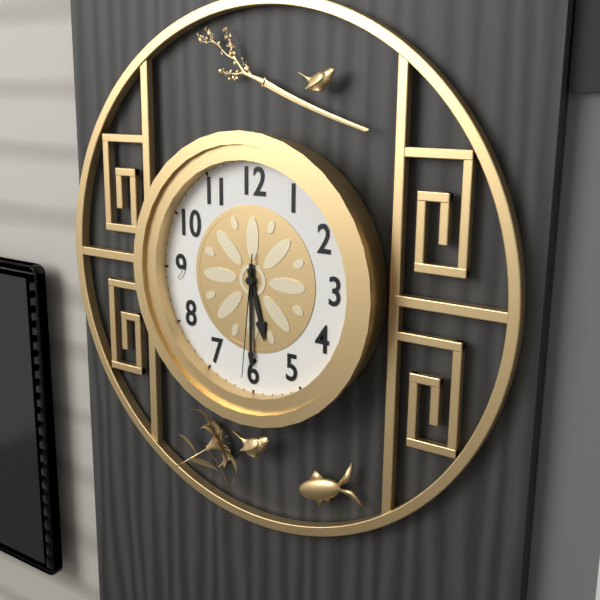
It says 5:30:31
